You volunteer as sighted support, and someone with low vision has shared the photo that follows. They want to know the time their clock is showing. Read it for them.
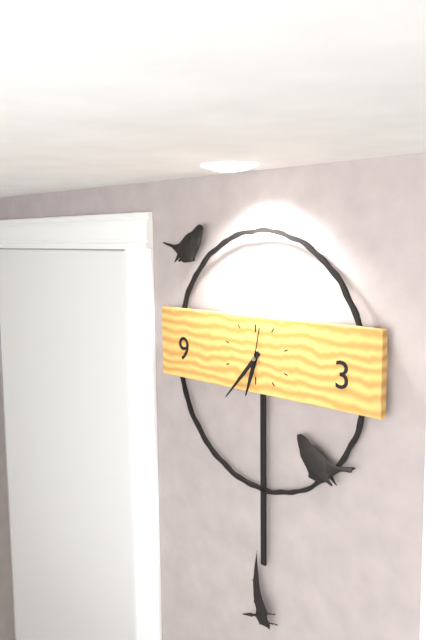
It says 6:37
